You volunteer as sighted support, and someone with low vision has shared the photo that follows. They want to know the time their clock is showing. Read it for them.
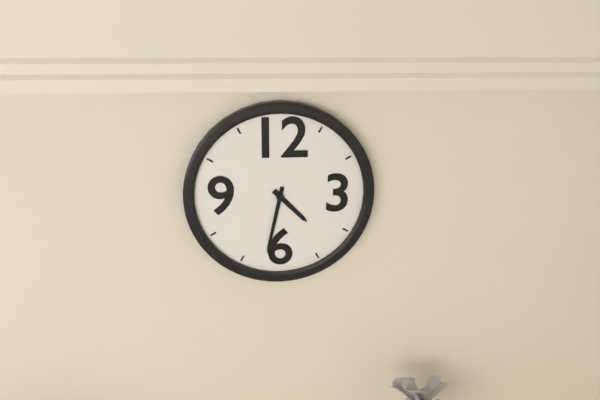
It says 4:32
